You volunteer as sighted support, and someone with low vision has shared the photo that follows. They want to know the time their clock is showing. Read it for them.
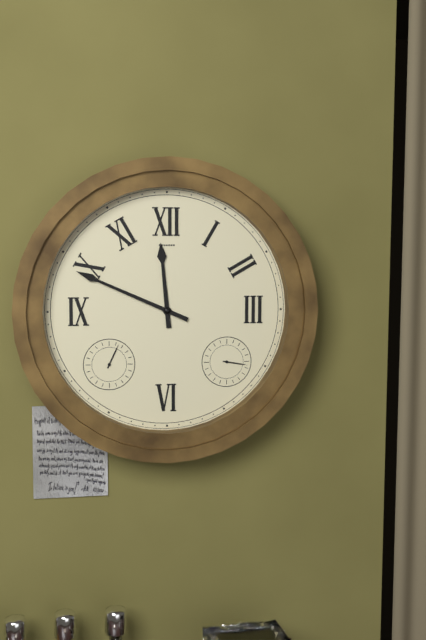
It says 11:49
